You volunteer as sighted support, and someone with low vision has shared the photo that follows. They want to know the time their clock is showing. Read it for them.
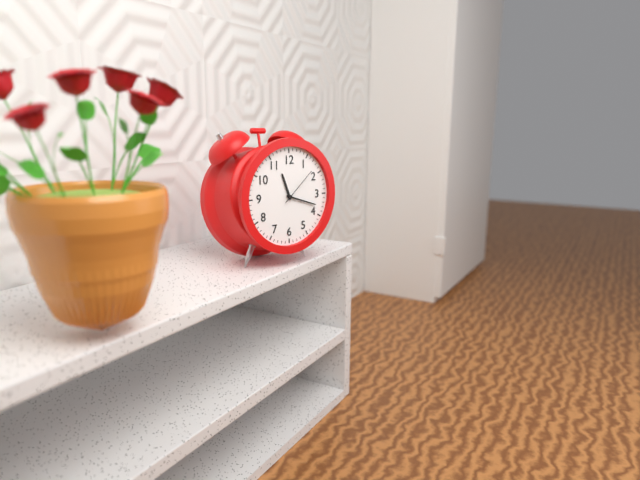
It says 11:18
